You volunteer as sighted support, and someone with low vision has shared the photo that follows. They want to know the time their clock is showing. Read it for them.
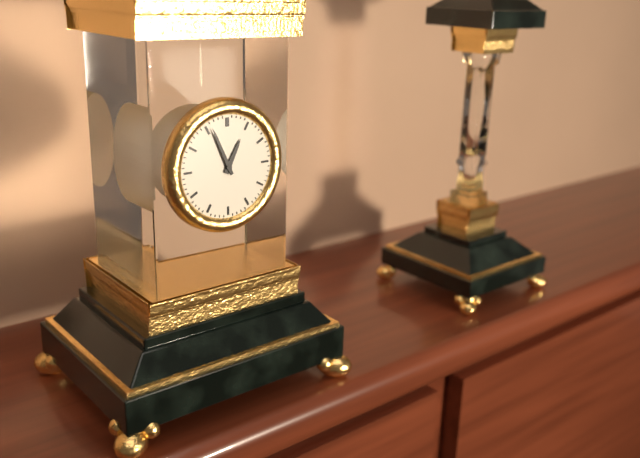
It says 12:56
